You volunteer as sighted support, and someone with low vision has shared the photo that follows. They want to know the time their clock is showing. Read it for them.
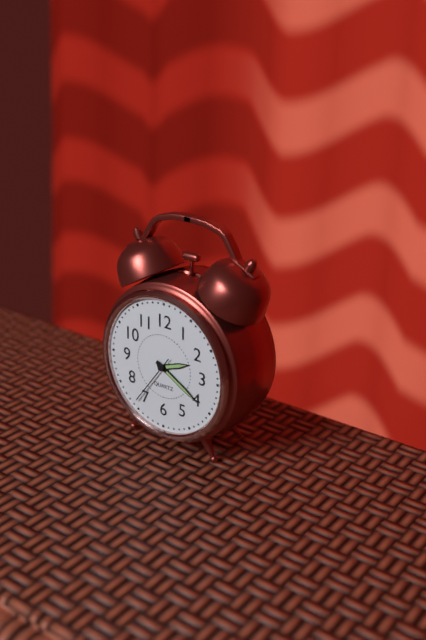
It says 2:20:36
